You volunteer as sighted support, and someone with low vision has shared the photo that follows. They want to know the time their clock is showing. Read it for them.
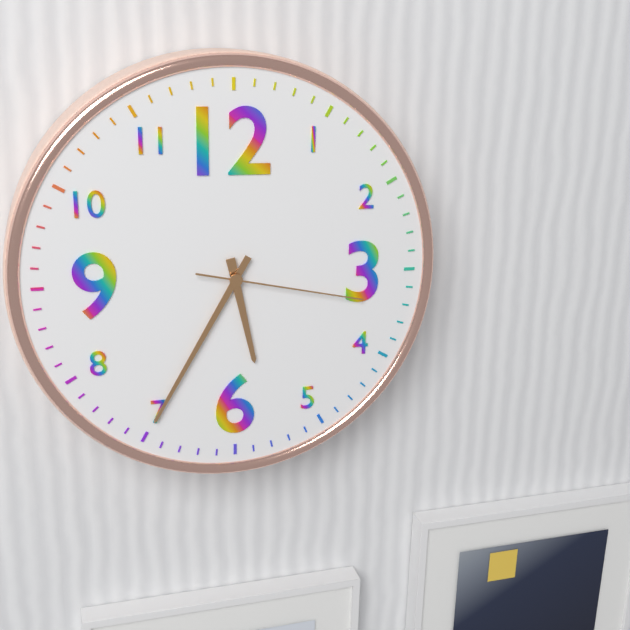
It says 5:35:17
